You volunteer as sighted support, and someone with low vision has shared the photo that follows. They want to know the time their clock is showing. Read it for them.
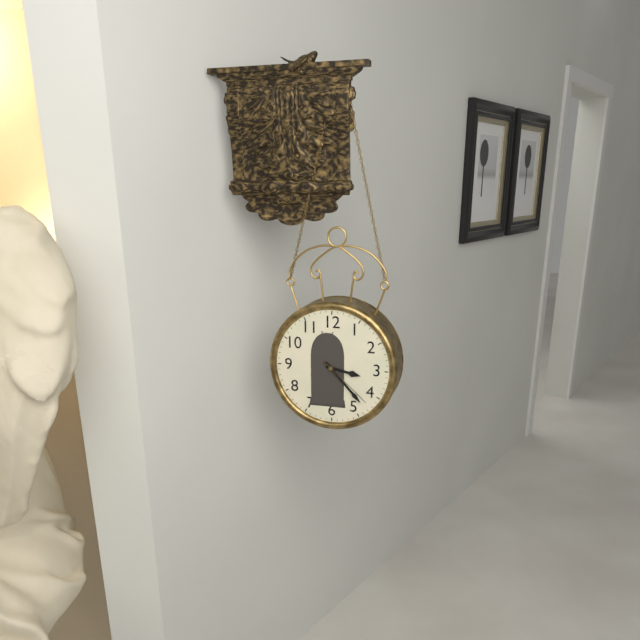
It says 3:23:22
